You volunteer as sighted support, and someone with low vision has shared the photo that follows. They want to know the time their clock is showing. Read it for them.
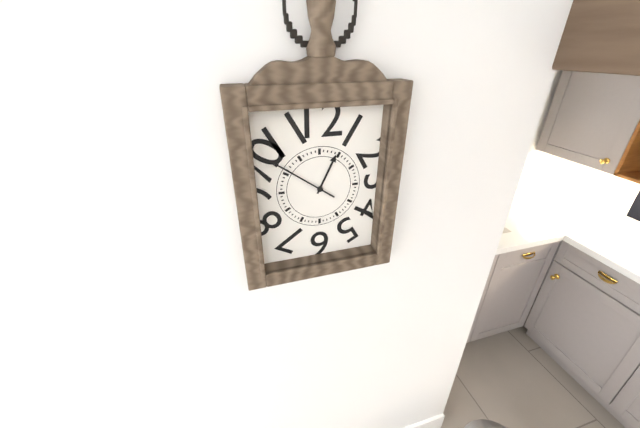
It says 12:51
